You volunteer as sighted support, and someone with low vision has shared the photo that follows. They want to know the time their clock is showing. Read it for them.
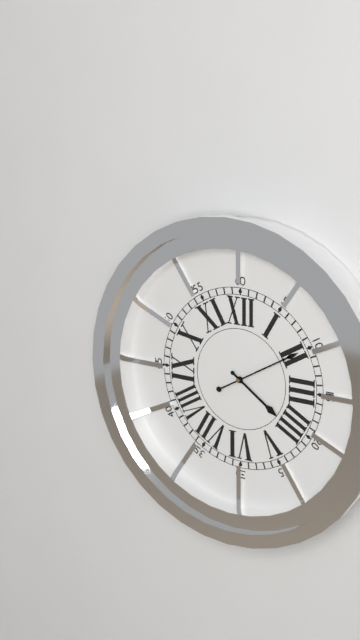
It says 4:10
